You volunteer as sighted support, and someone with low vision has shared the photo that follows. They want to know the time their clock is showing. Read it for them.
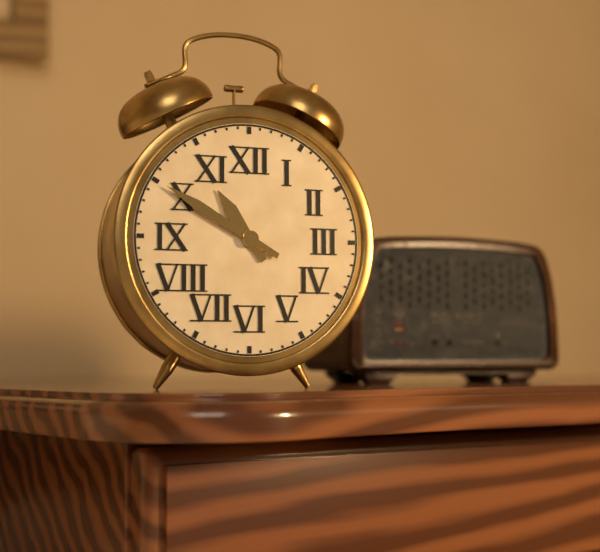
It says 10:50
